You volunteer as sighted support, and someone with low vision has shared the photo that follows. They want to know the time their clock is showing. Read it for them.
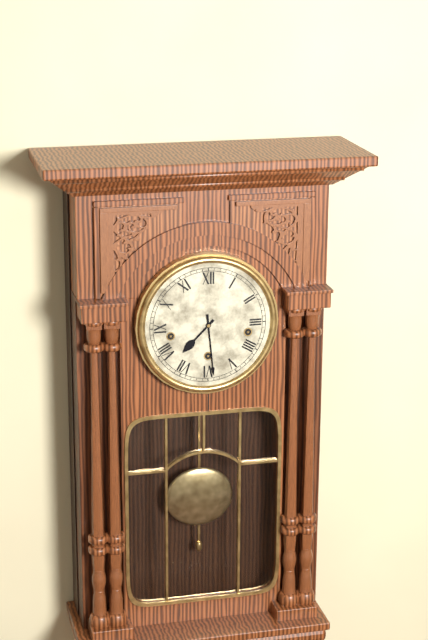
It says 7:29
